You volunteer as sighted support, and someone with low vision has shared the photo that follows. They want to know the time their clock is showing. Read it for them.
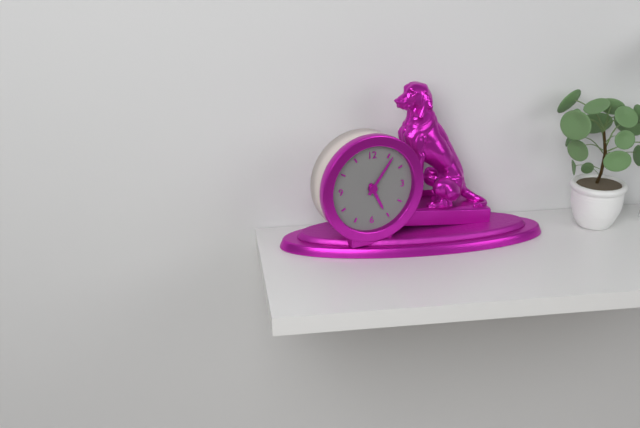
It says 5:06
